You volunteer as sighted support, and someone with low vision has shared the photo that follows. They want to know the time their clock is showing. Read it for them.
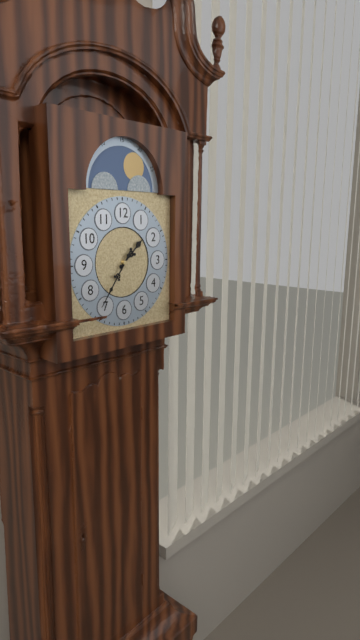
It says 1:36
